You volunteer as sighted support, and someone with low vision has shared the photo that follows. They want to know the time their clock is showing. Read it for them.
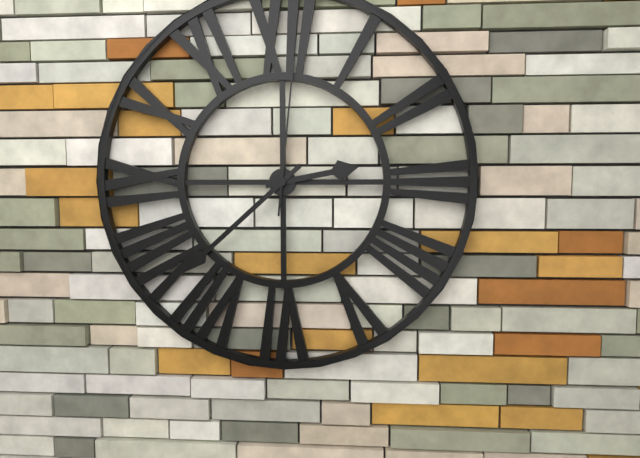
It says 2:38:01
